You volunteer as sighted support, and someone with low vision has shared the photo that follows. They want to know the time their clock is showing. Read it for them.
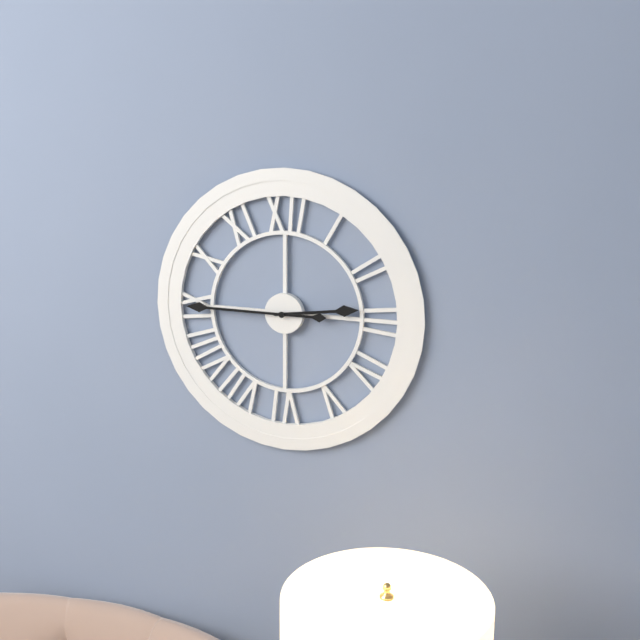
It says 2:45
